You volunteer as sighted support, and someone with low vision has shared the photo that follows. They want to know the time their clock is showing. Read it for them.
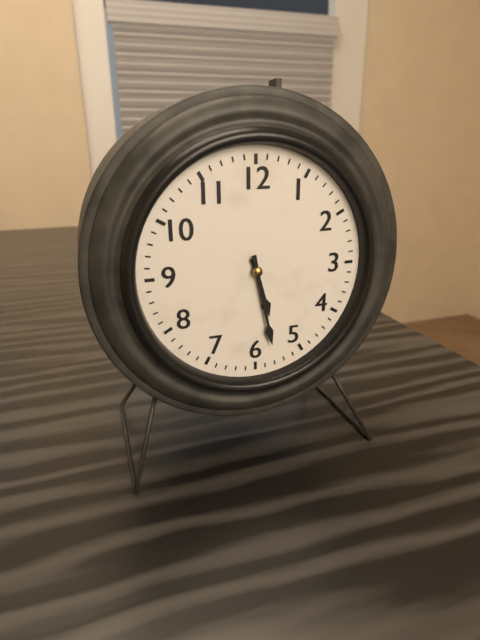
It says 5:28
